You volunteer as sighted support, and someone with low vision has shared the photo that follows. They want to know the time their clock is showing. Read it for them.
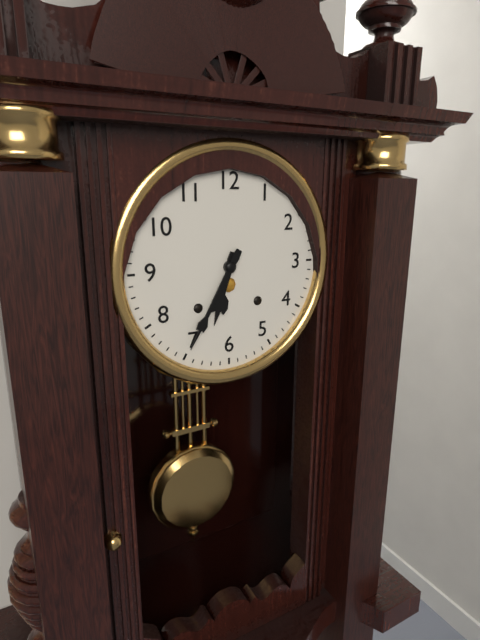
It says 6:35
